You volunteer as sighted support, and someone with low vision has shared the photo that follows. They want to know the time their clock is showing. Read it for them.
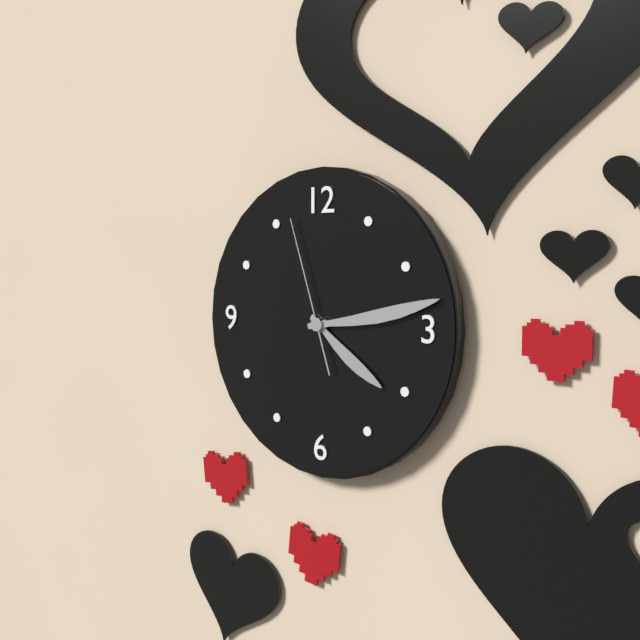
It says 4:13:57
